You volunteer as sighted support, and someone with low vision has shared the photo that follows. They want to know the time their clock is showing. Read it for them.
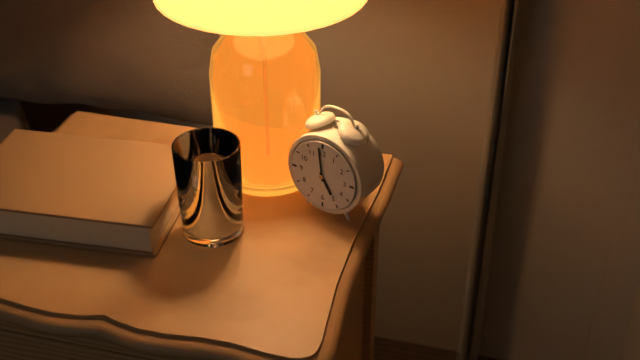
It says 4:59
